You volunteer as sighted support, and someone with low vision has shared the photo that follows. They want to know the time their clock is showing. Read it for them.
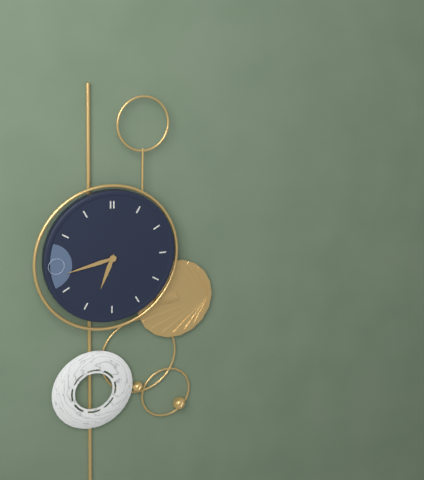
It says 6:43
